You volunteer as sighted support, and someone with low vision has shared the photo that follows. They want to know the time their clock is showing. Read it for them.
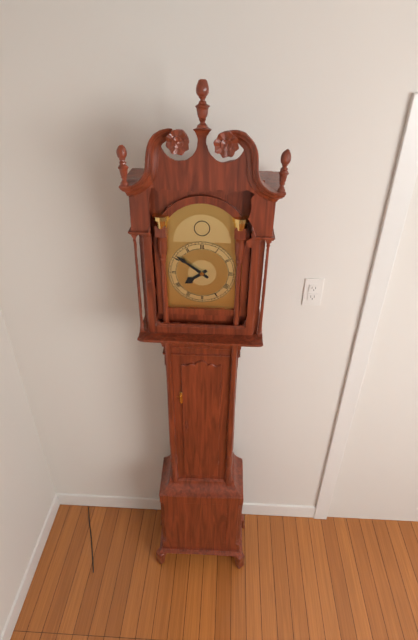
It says 7:51
